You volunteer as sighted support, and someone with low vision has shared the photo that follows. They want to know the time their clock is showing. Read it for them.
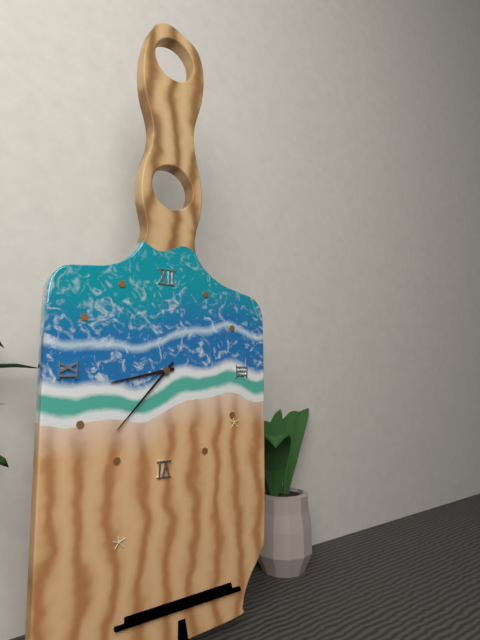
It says 8:37
